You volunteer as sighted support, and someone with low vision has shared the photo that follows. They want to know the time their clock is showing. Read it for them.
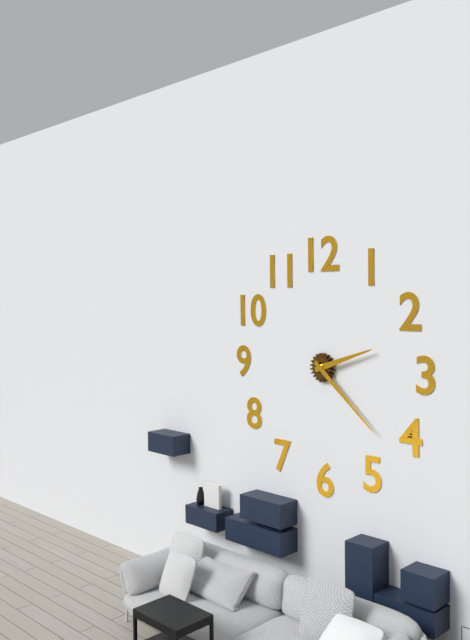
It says 2:22
